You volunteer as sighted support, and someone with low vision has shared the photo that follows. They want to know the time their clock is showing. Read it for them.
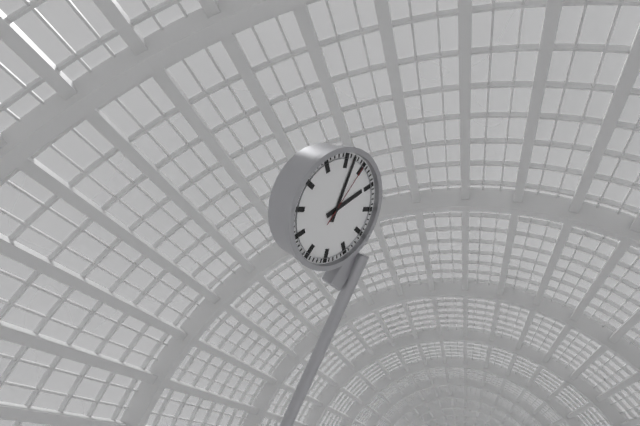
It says 12:57:00
